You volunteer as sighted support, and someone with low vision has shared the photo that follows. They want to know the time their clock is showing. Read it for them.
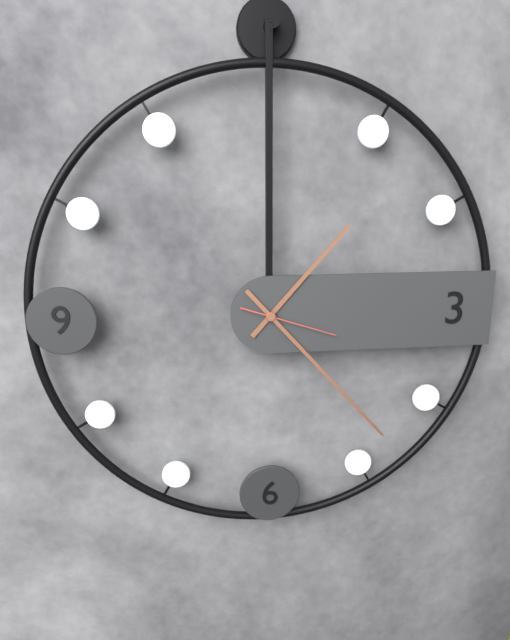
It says 1:23:18
